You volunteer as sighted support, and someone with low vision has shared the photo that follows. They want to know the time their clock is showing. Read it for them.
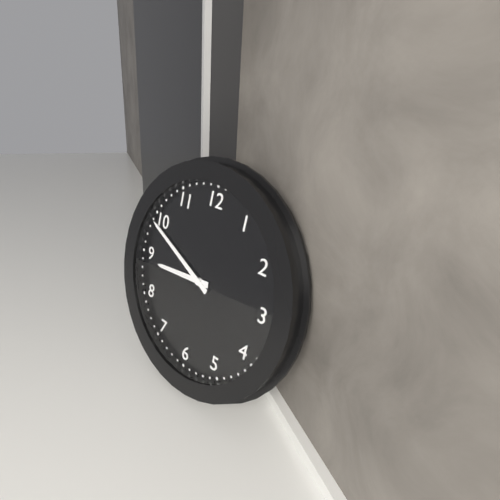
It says 8:49
